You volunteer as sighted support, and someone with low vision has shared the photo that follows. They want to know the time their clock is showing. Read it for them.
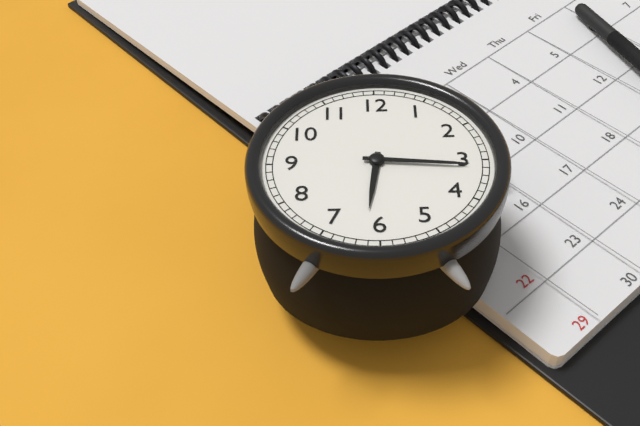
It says 6:16
